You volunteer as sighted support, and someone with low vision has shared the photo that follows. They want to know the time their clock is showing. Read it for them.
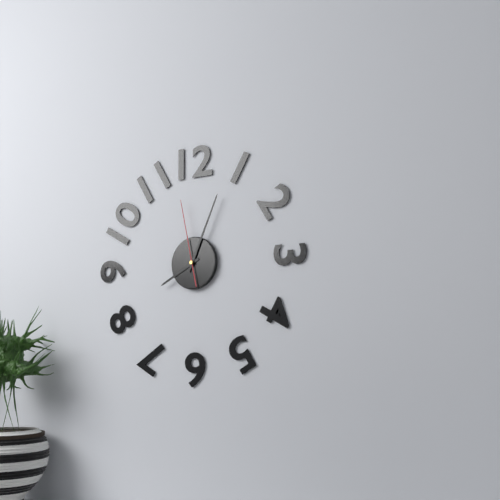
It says 8:04:58
